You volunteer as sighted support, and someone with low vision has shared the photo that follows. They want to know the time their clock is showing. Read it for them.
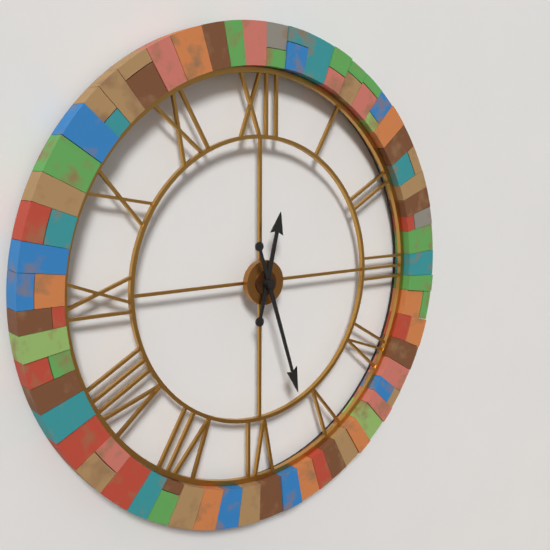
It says 12:27
